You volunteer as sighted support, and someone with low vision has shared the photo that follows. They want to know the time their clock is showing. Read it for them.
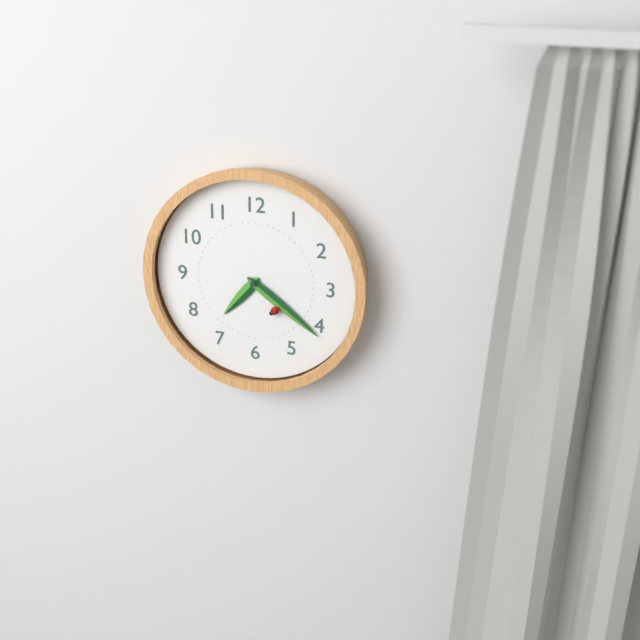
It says 7:21:23
